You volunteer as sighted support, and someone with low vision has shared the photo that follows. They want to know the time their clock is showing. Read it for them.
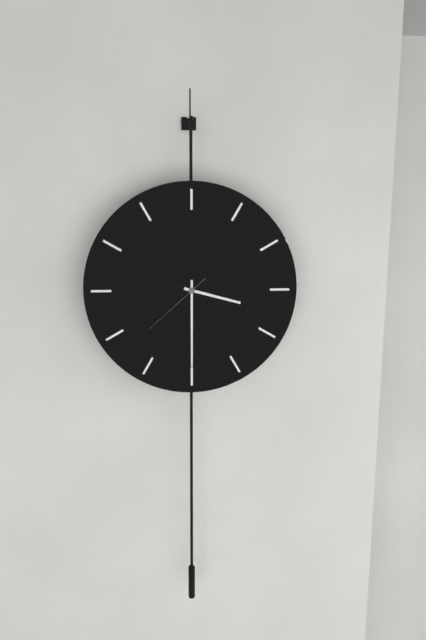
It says 3:30:38
